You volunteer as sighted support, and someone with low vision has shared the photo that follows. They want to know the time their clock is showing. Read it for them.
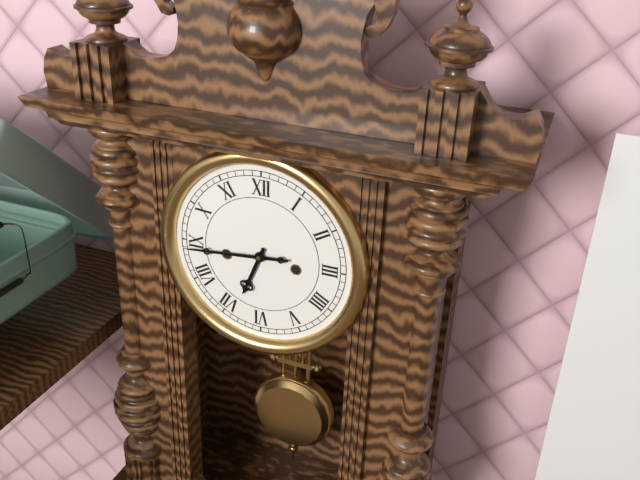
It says 6:44
